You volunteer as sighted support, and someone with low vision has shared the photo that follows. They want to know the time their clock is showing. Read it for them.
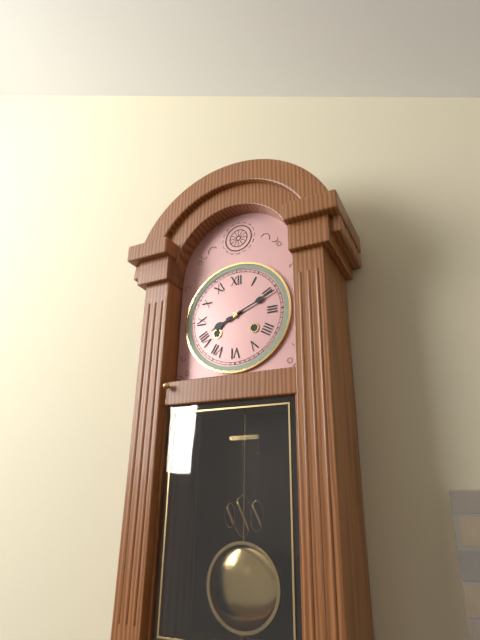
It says 8:11
